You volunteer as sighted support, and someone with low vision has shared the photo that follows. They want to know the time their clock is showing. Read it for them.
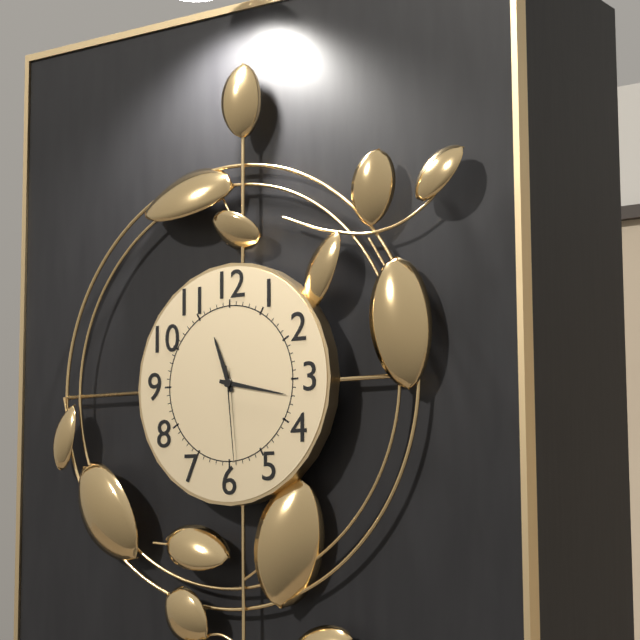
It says 11:17:29
